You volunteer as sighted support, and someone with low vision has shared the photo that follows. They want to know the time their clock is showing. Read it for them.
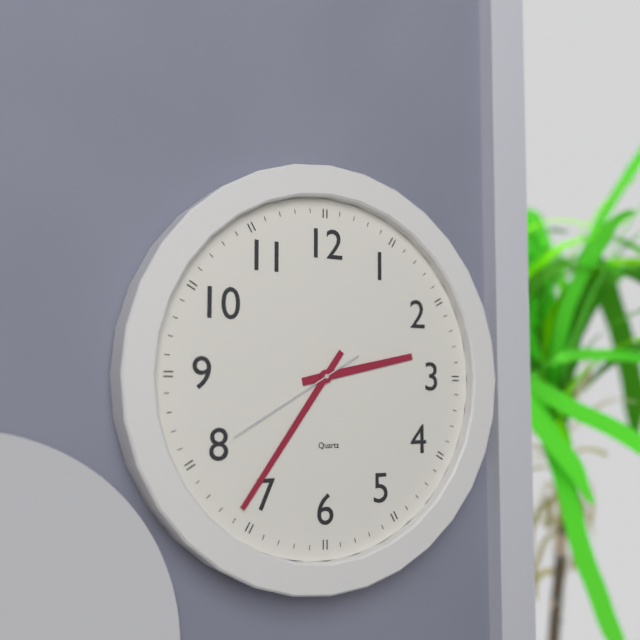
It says 2:36:40
